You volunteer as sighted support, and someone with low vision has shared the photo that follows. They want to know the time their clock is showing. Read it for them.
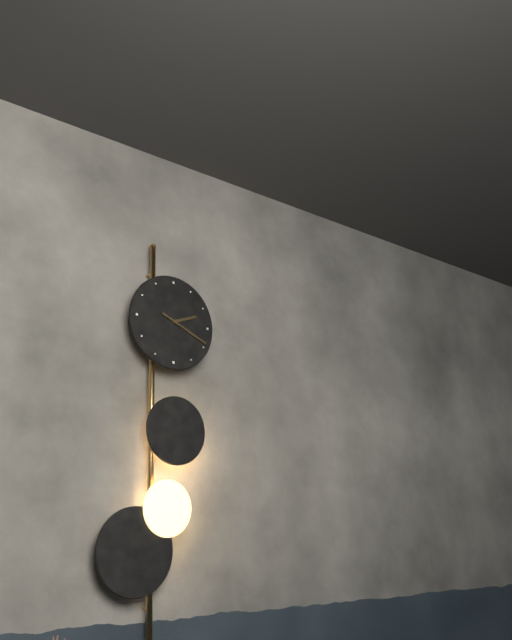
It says 2:19
